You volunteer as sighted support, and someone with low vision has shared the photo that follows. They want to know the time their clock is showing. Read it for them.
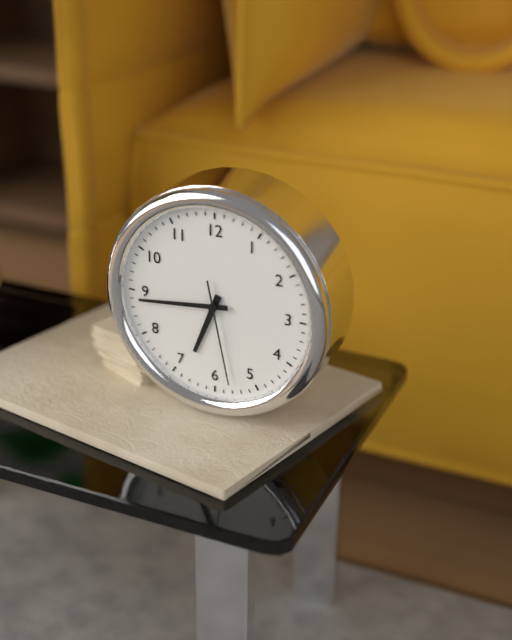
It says 6:44:28
